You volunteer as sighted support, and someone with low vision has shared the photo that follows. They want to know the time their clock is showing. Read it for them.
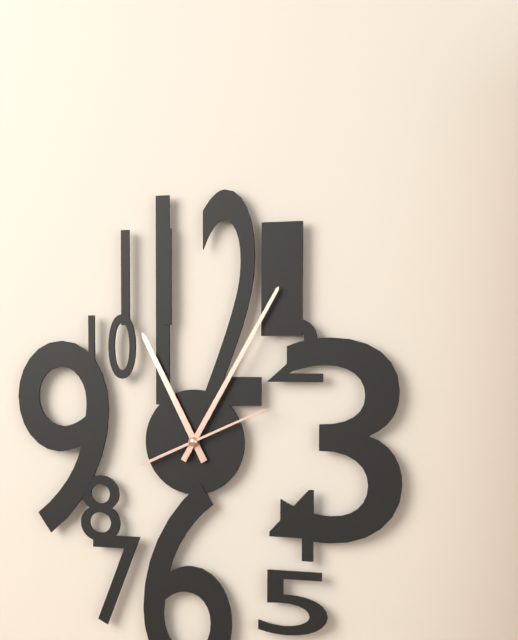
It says 11:05:11
